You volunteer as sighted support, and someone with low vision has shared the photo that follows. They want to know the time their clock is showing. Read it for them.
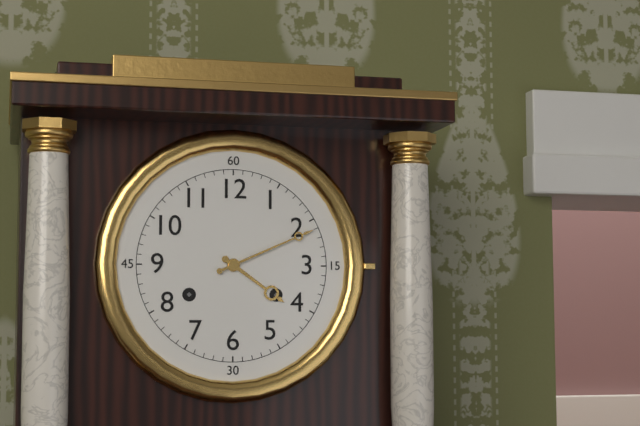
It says 4:11
